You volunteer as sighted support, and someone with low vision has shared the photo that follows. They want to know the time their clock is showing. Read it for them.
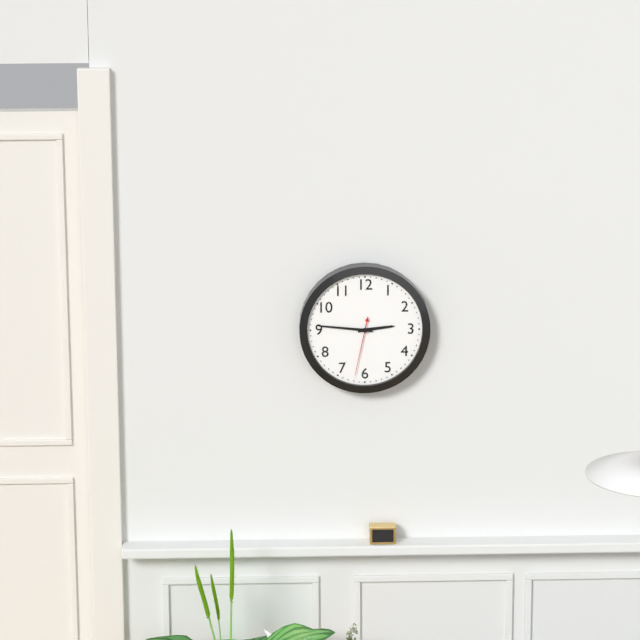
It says 2:46:32
